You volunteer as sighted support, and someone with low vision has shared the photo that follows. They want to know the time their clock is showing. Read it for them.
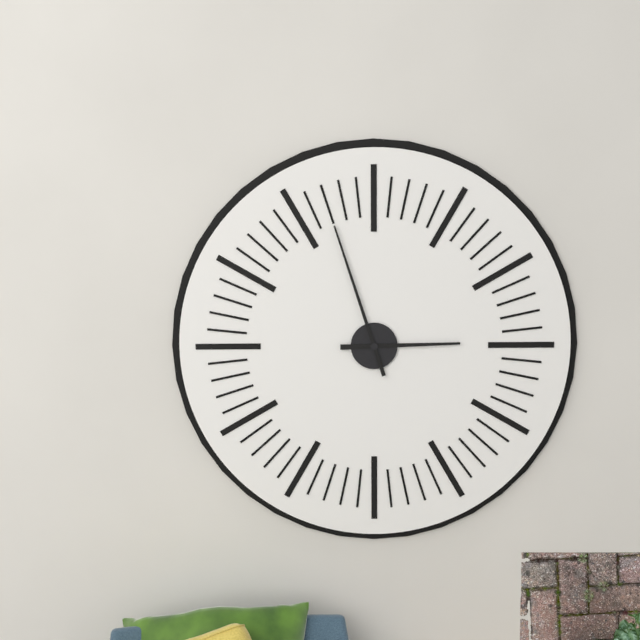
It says 2:57
